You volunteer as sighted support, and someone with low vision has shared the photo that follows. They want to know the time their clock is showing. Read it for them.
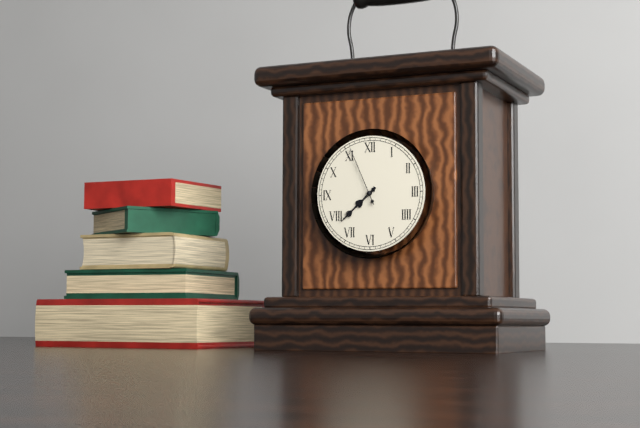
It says 7:38:56
